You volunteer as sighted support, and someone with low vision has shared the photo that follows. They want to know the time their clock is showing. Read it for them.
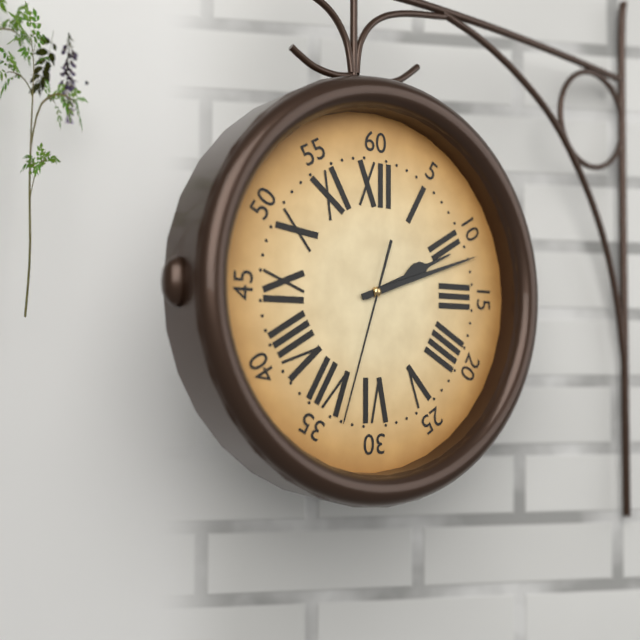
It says 2:12:33
